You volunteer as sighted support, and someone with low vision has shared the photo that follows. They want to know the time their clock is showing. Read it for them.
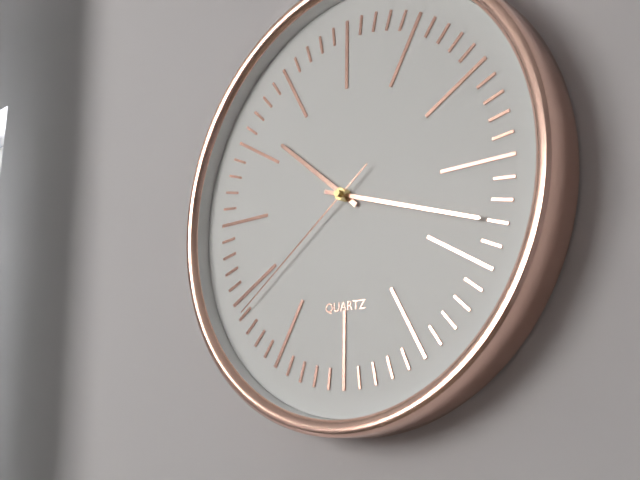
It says 10:18:39
